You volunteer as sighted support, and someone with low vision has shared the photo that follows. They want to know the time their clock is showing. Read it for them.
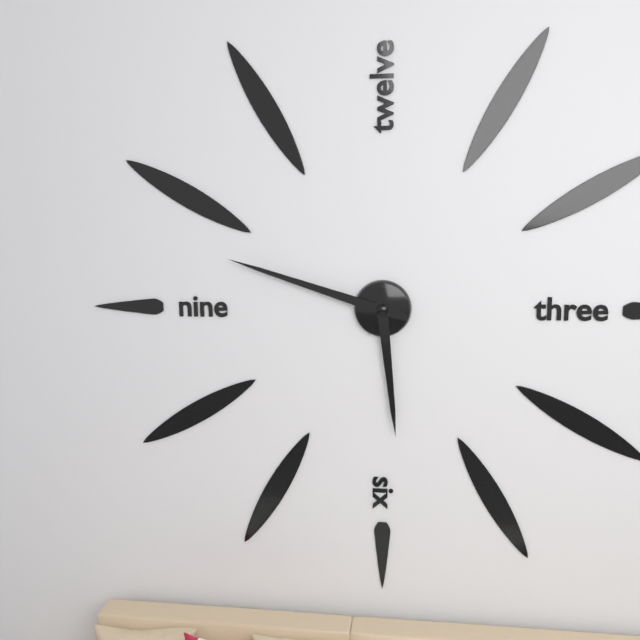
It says 5:48
